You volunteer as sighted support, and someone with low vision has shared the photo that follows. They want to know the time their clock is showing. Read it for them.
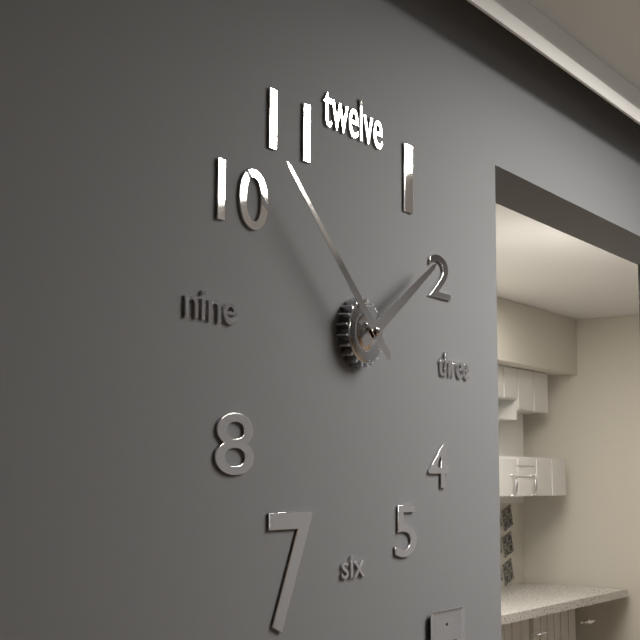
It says 1:52
